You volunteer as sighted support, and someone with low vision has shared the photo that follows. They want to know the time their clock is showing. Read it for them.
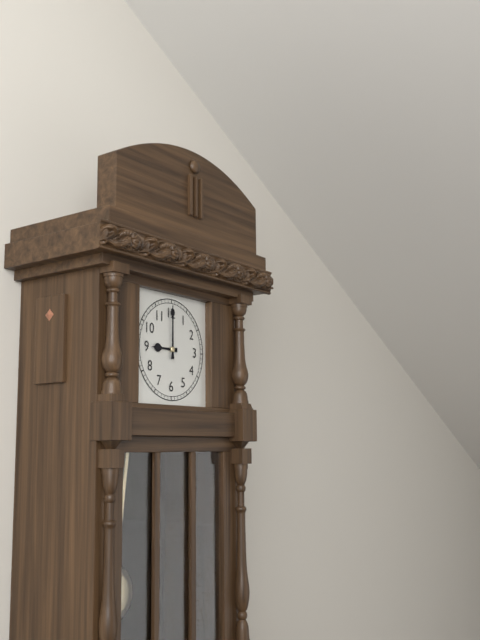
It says 9:00
